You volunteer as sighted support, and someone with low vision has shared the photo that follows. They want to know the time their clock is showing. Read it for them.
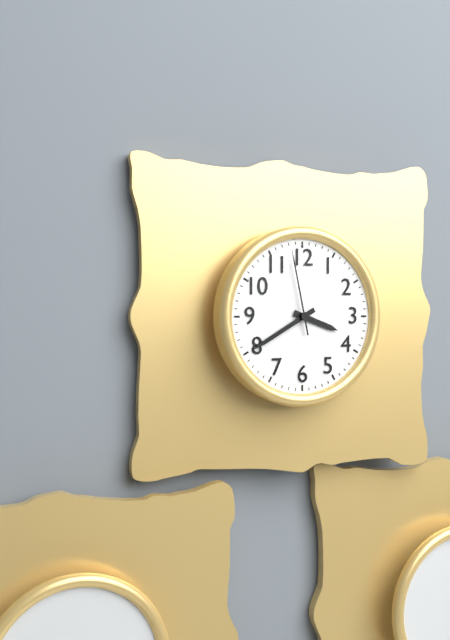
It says 3:40:58
